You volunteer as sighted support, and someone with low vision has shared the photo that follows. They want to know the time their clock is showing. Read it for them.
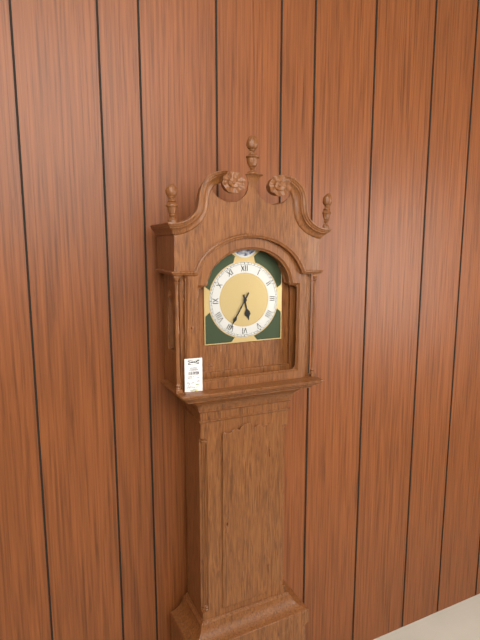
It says 5:35
